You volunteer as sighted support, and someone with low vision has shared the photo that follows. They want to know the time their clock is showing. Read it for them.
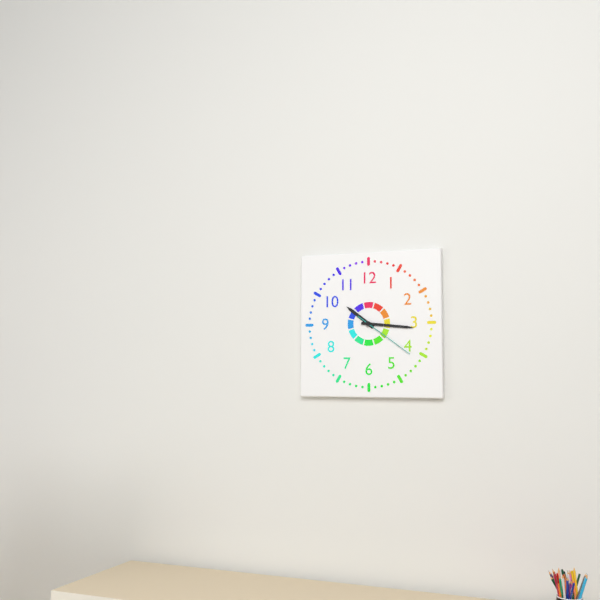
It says 10:16:21
